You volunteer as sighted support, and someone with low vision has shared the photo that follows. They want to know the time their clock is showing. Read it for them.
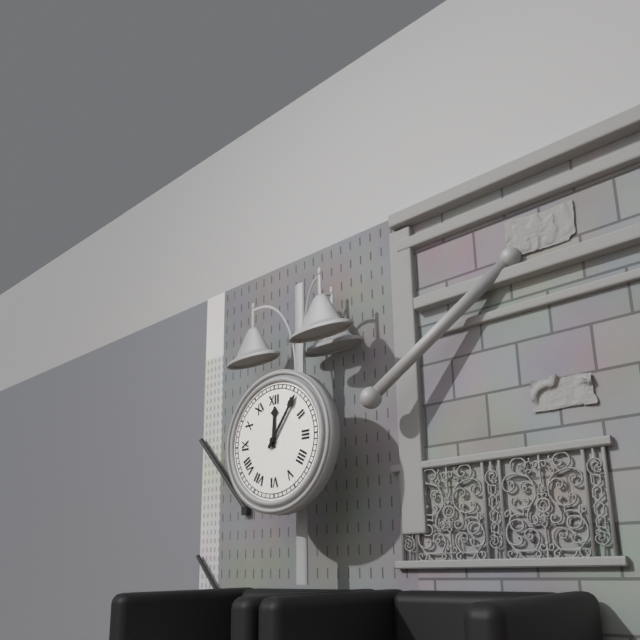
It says 12:06
